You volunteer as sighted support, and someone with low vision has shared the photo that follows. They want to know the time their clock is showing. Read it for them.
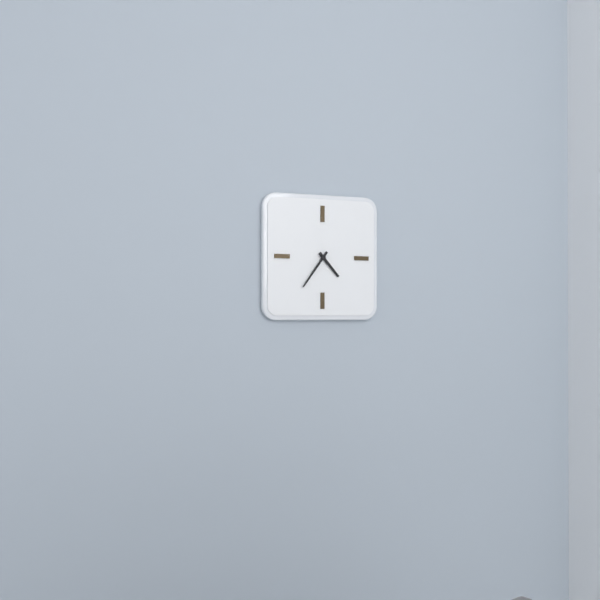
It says 4:36
